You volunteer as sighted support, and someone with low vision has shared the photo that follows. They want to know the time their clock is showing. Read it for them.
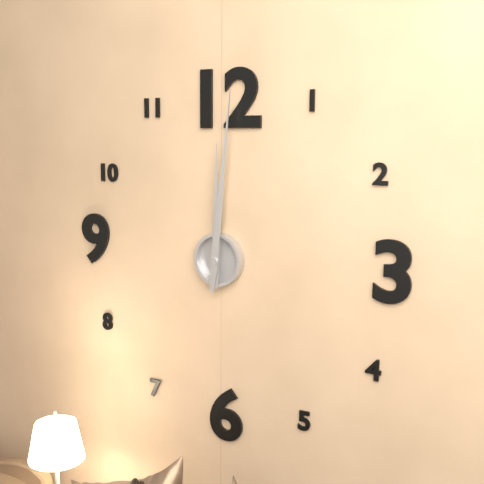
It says 12:01
